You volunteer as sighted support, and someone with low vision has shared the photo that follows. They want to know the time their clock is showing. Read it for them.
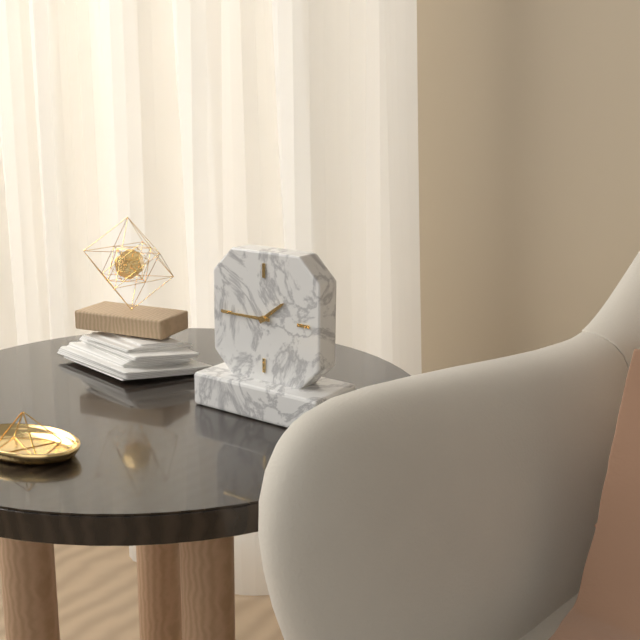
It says 1:45
